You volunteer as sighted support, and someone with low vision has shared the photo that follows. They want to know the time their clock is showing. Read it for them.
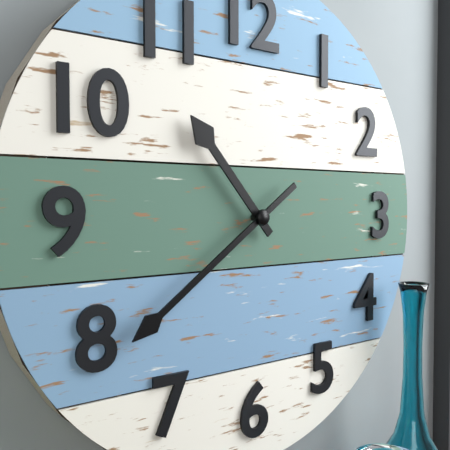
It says 10:39
